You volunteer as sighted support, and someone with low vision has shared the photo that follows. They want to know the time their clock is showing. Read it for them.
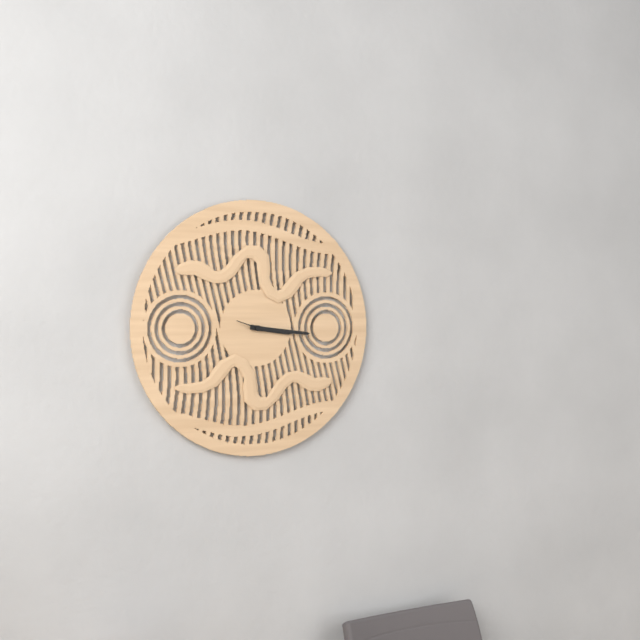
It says 3:16
